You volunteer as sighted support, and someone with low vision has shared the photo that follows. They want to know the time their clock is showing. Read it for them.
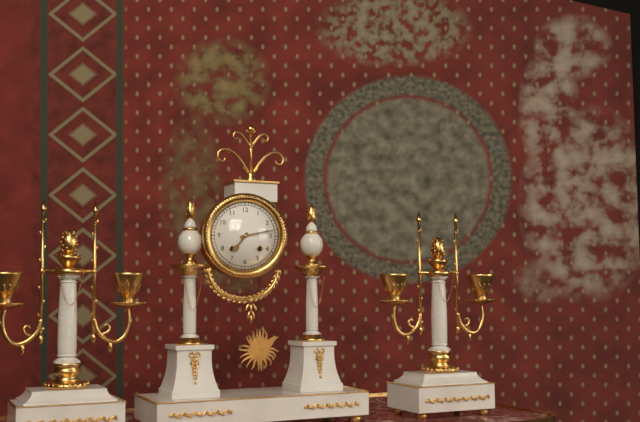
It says 7:13
